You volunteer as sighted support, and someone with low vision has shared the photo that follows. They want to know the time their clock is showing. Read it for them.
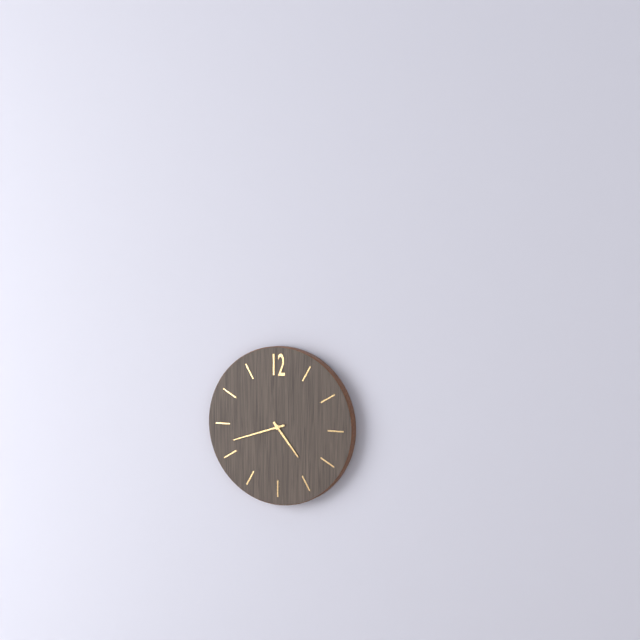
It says 4:42
